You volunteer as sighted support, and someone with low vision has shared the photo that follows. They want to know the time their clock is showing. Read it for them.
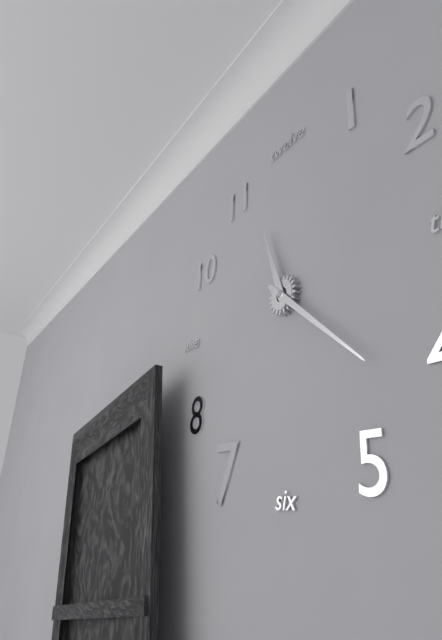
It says 11:22
